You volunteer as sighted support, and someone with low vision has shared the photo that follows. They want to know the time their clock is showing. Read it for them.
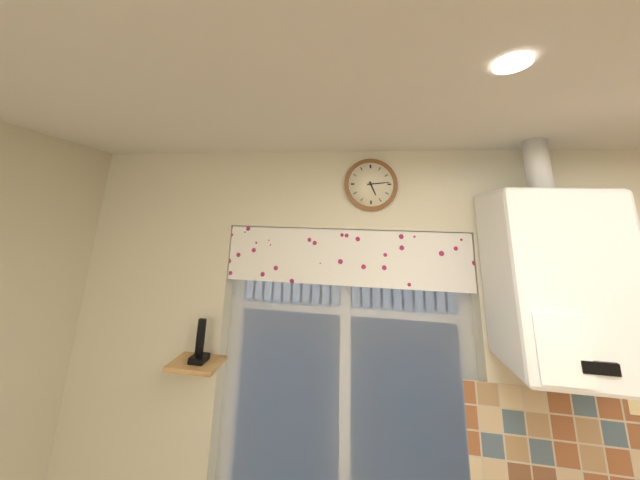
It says 5:14
